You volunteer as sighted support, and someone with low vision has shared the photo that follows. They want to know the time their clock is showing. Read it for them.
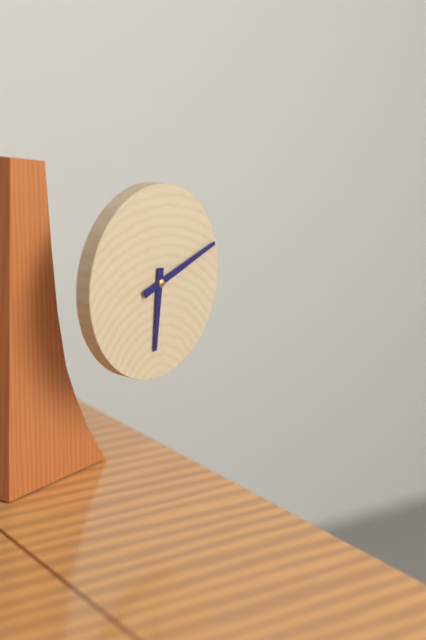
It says 6:12
